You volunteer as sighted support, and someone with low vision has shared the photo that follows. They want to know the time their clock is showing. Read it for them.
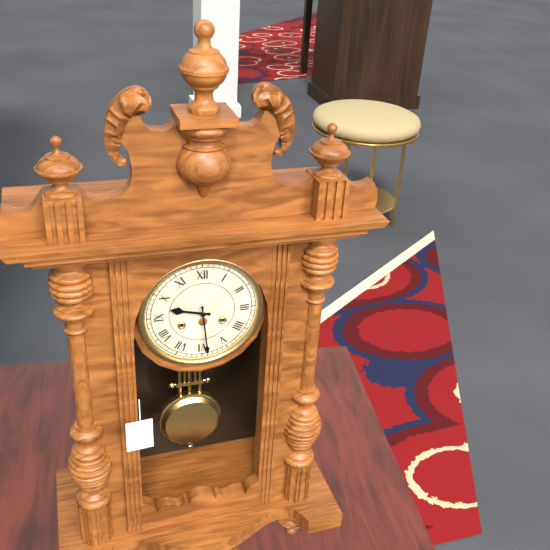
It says 9:29
